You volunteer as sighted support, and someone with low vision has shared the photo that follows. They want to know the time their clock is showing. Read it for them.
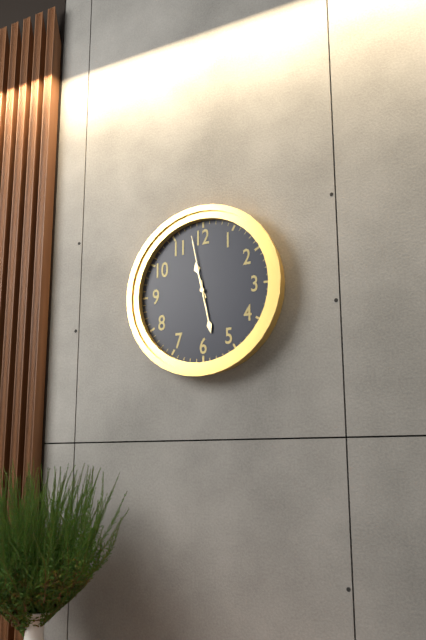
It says 11:28:58
